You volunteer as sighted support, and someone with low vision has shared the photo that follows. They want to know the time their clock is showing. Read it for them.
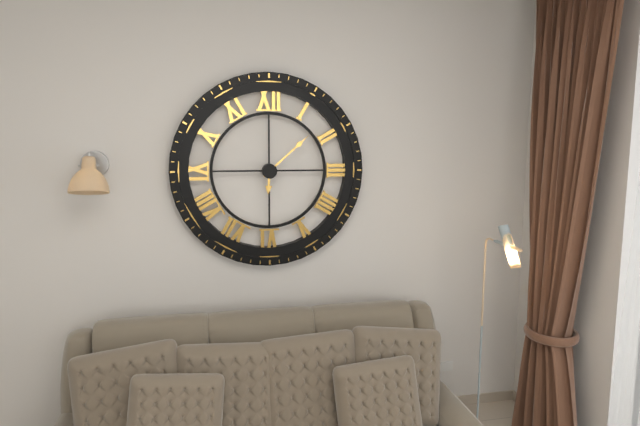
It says 6:08
